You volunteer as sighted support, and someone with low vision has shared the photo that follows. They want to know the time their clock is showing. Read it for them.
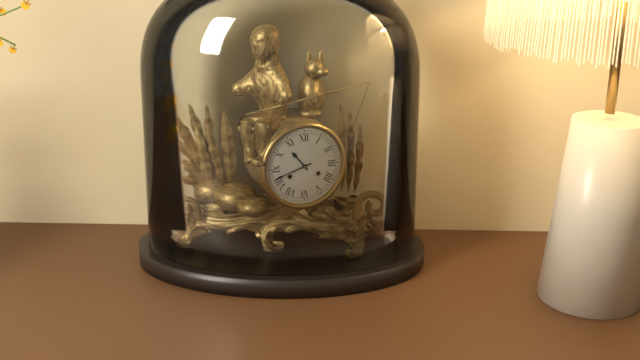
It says 10:42
